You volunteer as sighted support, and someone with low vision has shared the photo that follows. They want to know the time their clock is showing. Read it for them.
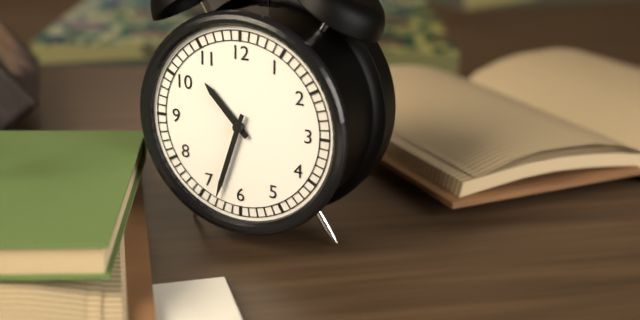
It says 10:33
